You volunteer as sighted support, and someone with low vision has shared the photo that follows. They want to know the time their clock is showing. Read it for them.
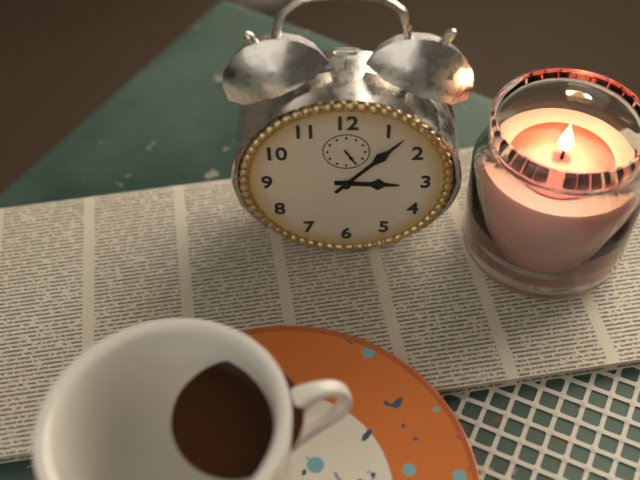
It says 3:07
